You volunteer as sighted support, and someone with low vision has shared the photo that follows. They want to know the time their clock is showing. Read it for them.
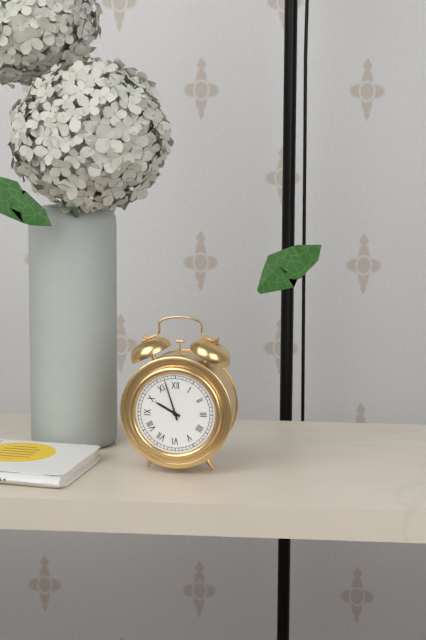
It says 9:57
